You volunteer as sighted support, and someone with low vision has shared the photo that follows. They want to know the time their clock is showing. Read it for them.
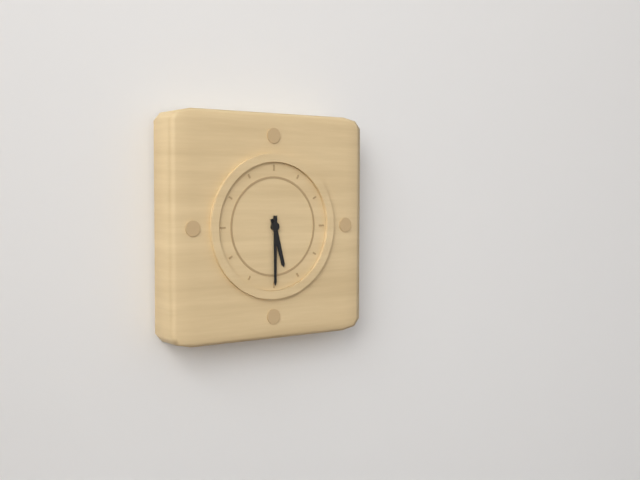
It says 5:30
